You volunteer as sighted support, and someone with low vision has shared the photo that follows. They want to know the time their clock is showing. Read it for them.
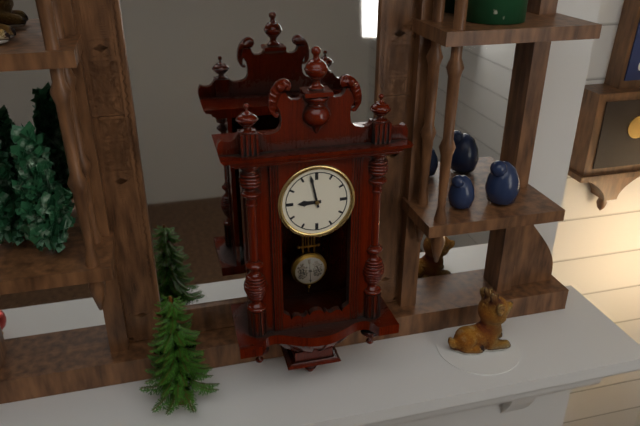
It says 8:58
